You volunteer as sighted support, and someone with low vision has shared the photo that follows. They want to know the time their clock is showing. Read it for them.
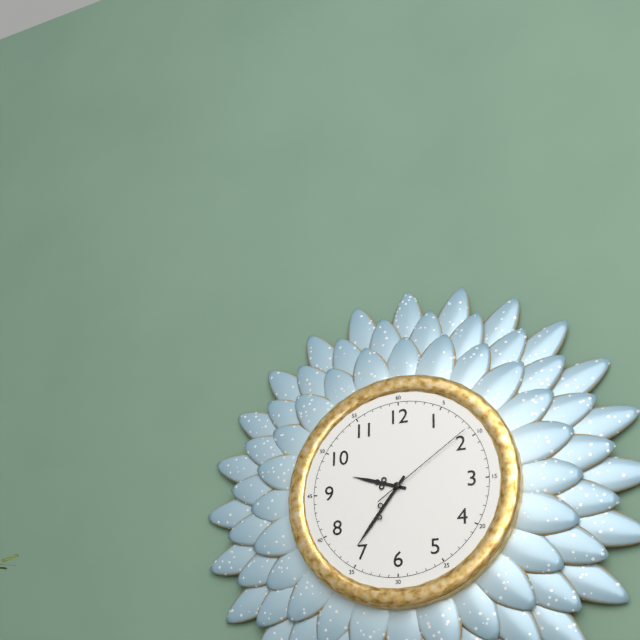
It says 9:36:09
